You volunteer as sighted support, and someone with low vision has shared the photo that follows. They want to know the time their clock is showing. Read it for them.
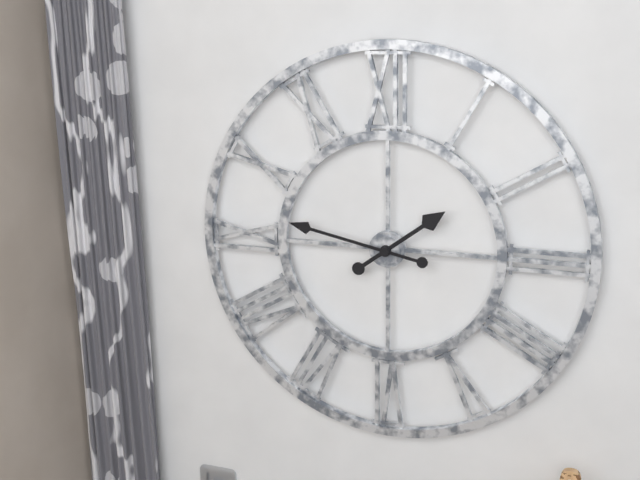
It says 1:47
